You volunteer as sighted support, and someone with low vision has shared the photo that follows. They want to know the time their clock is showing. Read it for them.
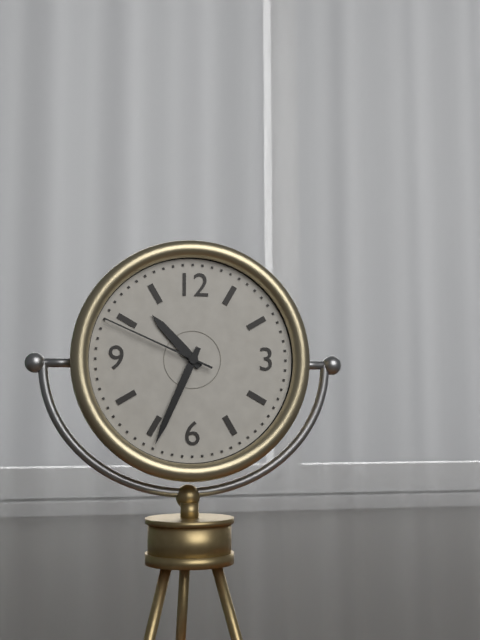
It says 10:34:49
